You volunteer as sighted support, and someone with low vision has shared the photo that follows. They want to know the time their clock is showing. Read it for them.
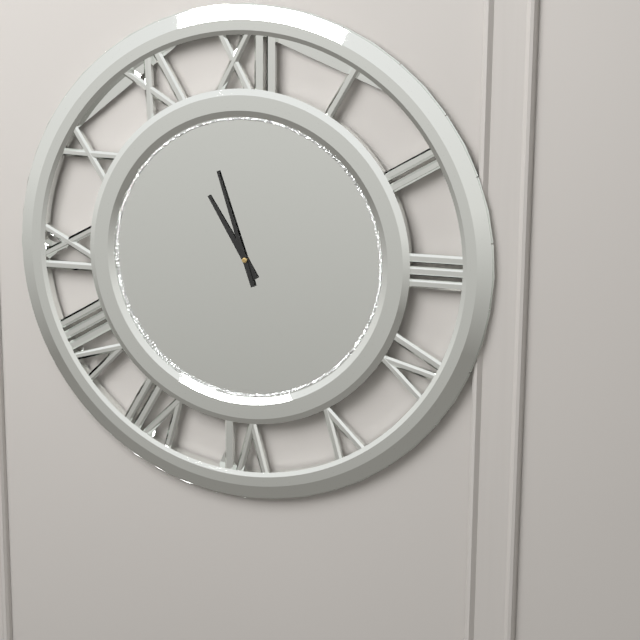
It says 10:57
